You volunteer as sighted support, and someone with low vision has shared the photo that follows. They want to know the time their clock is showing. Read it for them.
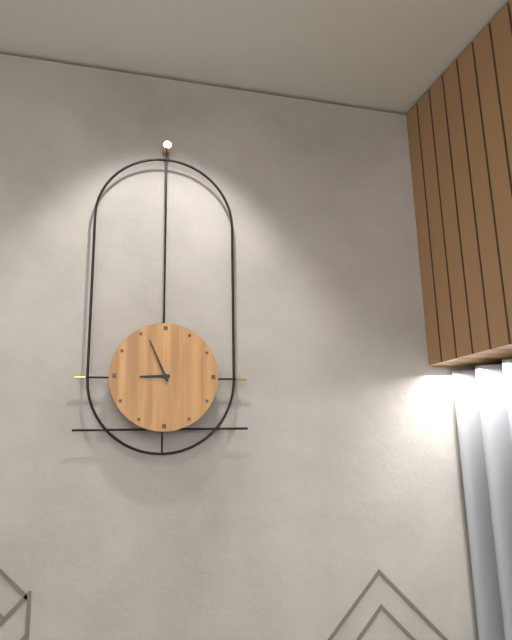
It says 8:56
